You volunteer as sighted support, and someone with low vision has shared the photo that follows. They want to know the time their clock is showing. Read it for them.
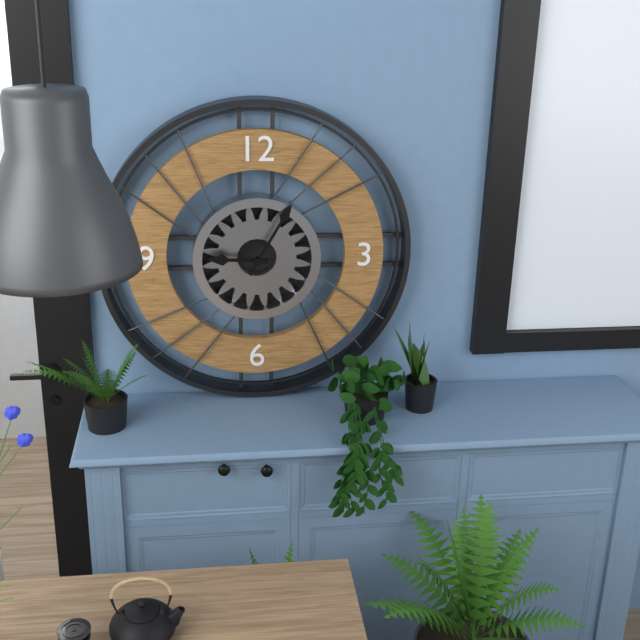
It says 9:05
